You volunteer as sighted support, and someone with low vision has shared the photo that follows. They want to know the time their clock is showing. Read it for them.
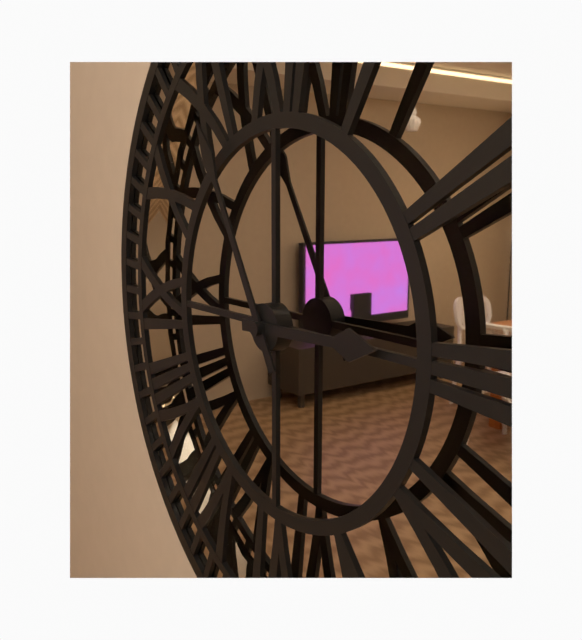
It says 2:55
